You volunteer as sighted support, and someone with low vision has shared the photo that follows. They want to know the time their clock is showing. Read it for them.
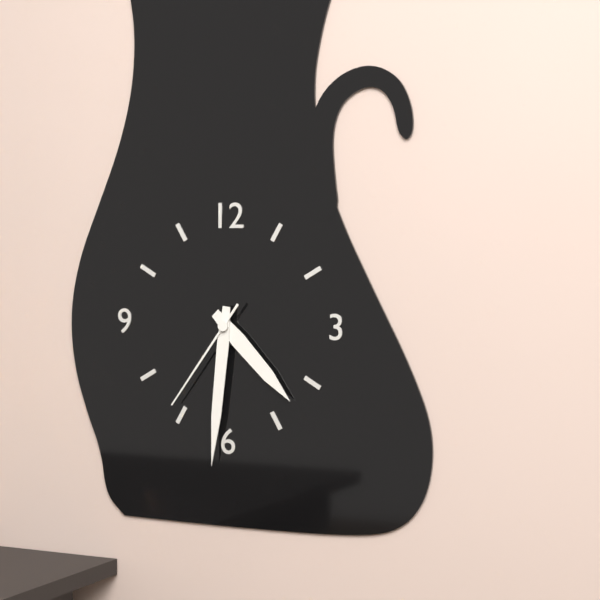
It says 4:31:36
